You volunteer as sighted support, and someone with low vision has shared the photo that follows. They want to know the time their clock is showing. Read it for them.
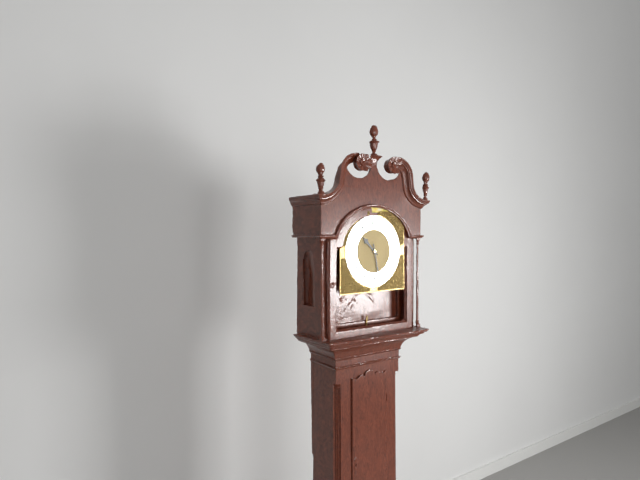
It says 10:28
